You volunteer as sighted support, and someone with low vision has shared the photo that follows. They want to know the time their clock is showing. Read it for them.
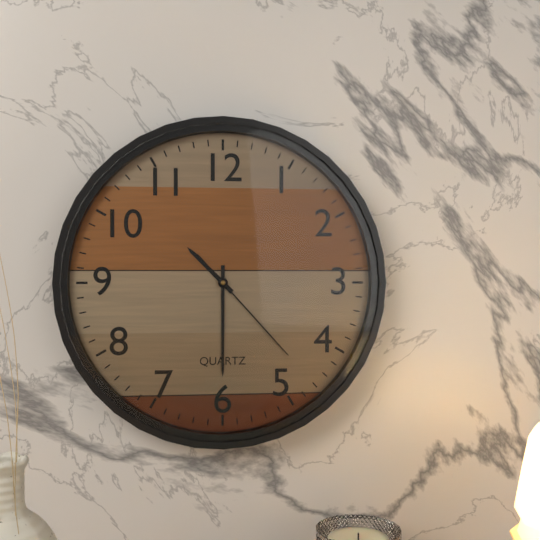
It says 10:30:23
